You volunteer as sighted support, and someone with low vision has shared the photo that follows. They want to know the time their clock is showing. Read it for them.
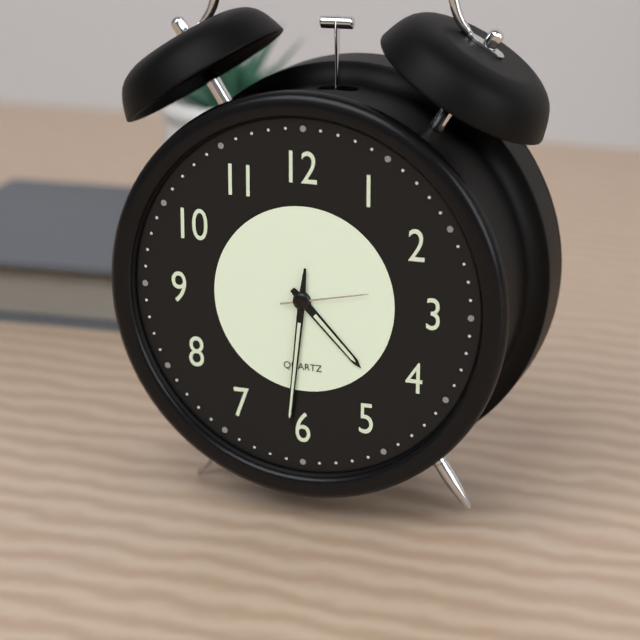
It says 4:31:13
